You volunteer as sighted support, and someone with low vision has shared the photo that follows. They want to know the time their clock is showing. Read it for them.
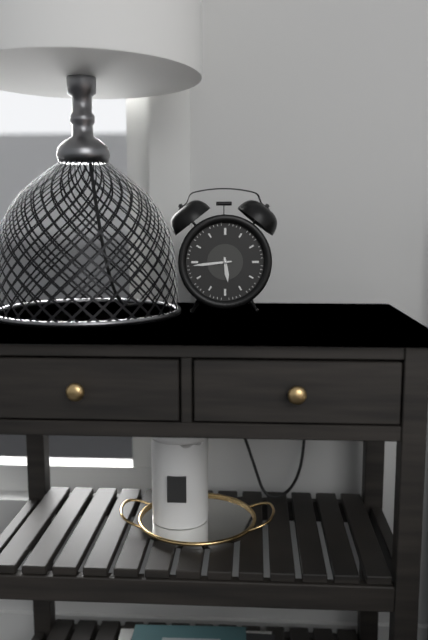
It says 5:44
